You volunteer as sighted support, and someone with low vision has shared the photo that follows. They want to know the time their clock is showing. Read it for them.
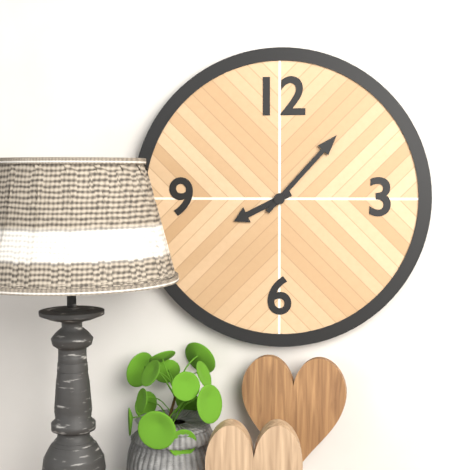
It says 8:07
